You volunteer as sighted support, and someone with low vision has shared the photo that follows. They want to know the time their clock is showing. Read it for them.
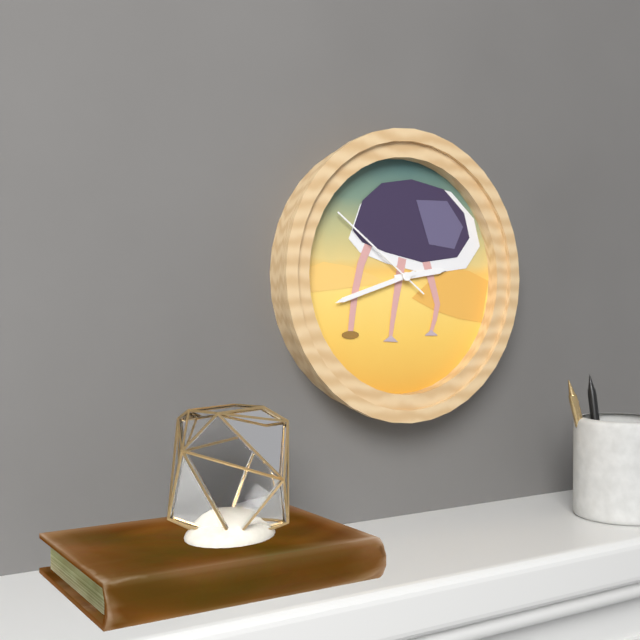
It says 2:42:51
